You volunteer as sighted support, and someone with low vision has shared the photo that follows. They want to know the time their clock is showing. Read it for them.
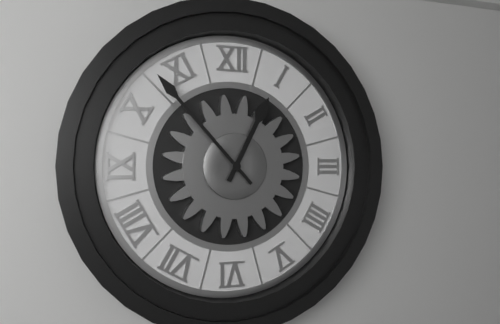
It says 12:53
